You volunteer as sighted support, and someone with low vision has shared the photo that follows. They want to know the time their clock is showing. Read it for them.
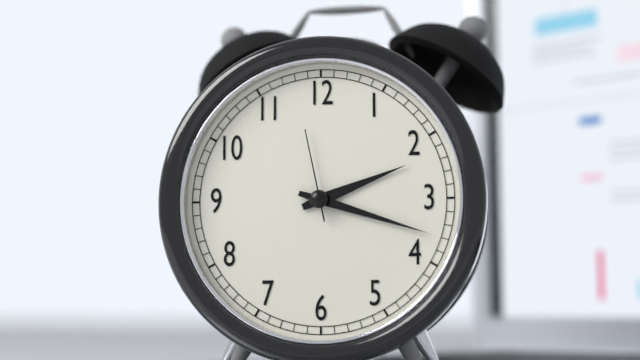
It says 2:18:58
